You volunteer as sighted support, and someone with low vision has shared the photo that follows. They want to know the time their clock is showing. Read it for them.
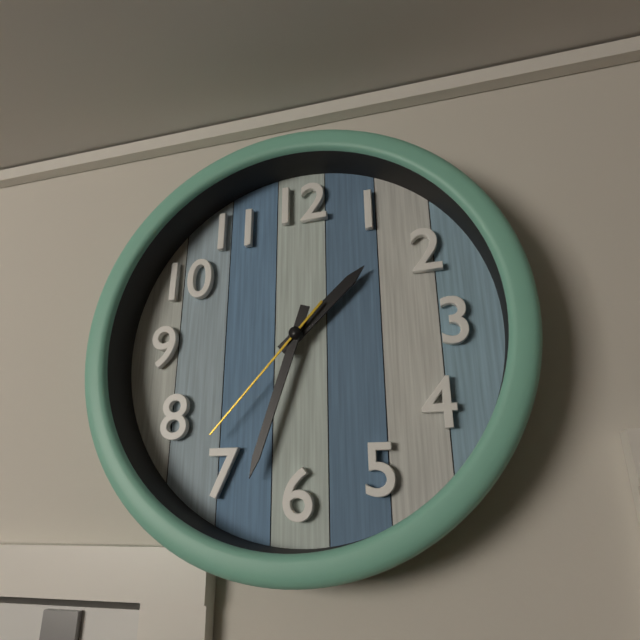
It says 1:33:37
